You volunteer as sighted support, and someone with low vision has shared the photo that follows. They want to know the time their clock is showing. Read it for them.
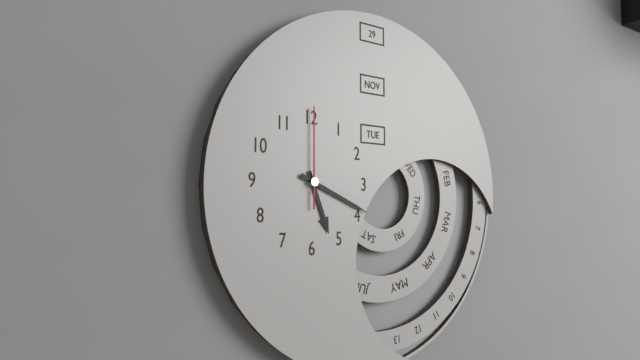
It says 5:19:00
